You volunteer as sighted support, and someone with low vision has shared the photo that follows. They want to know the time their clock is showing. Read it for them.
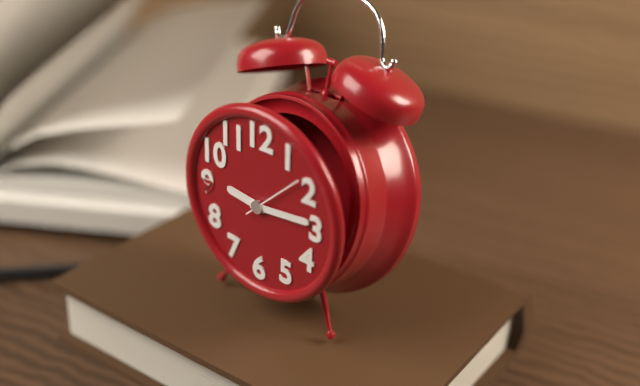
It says 9:14:08
